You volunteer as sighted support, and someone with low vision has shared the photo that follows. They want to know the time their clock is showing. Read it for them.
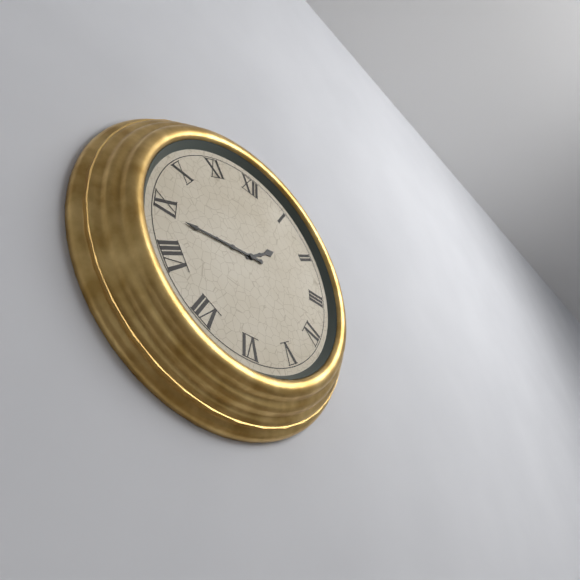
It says 1:44
